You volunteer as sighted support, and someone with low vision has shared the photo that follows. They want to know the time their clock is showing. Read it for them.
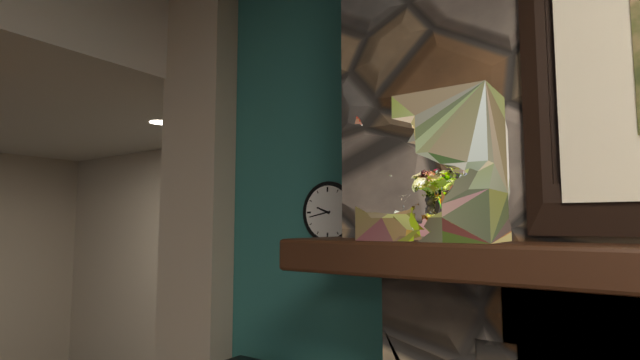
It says 9:43
